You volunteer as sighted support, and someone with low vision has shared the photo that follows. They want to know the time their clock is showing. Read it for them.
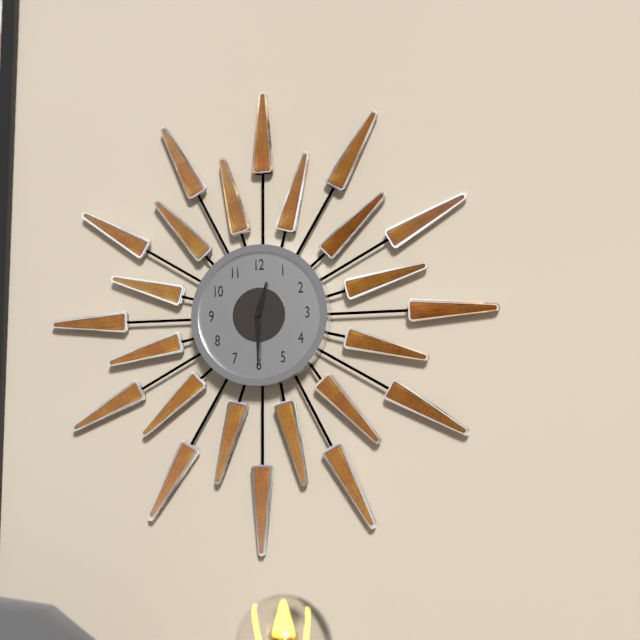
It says 12:30
